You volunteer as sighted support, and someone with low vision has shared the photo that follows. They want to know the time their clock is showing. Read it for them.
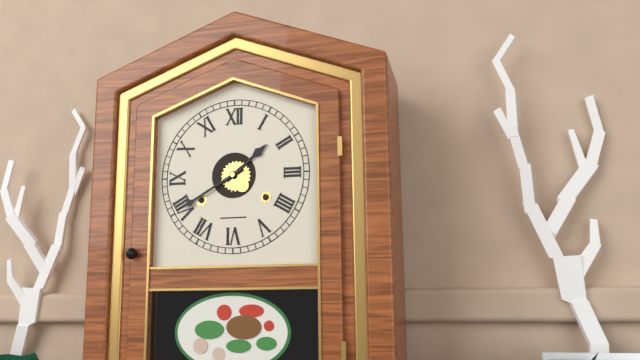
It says 1:40
